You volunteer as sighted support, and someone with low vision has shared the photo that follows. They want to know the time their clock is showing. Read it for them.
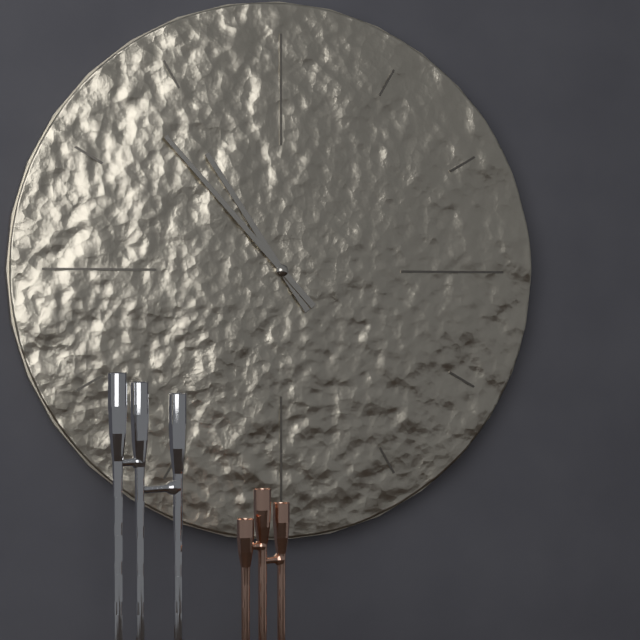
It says 10:53
